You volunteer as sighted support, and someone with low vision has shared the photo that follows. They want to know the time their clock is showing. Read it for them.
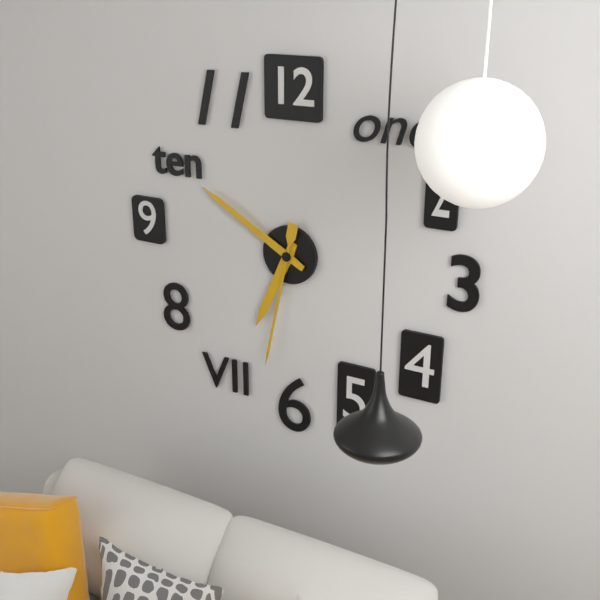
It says 6:50:32
